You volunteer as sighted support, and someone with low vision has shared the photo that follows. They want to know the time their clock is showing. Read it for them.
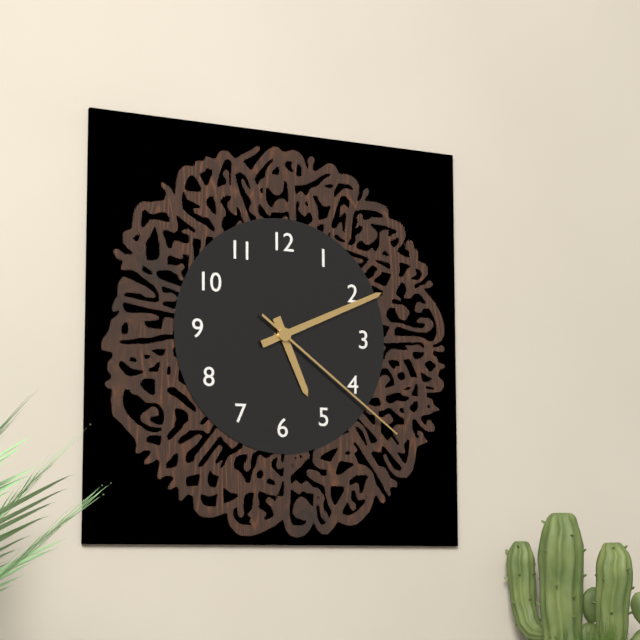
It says 5:11:21
